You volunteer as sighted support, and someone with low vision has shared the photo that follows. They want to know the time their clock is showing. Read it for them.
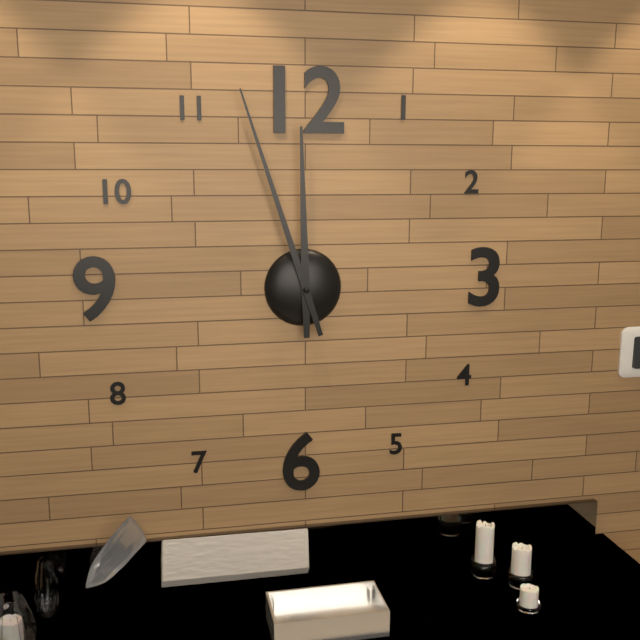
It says 11:57
